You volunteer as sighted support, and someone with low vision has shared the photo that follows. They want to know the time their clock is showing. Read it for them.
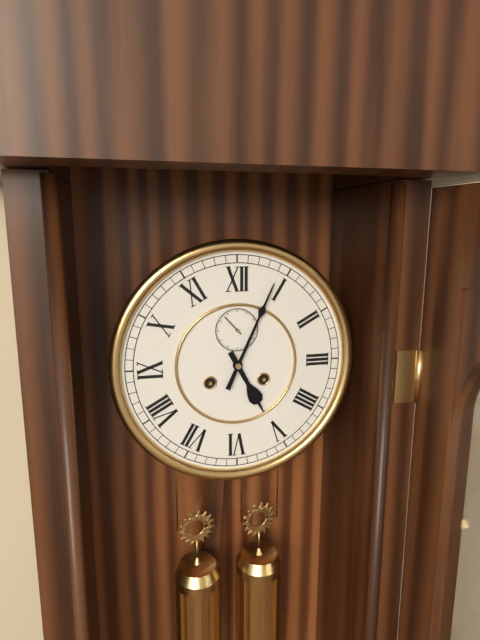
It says 5:04
